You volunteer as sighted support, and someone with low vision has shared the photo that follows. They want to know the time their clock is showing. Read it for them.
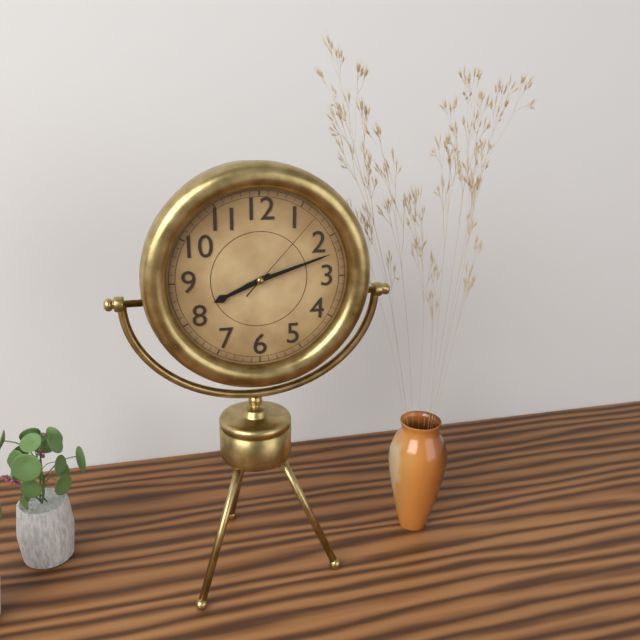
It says 8:12:07
